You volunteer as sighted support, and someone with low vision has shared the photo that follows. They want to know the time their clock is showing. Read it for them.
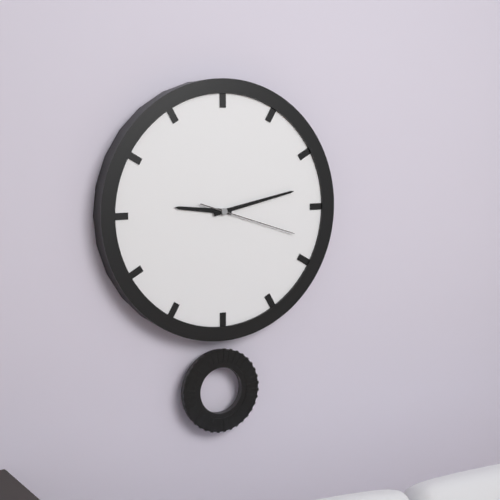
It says 9:13:18
